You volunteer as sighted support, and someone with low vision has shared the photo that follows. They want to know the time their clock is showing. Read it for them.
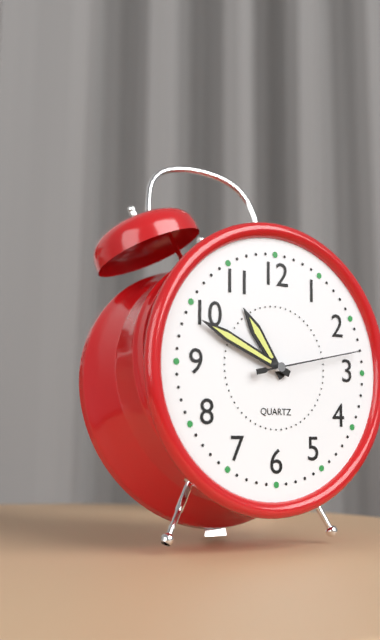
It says 10:49:13
